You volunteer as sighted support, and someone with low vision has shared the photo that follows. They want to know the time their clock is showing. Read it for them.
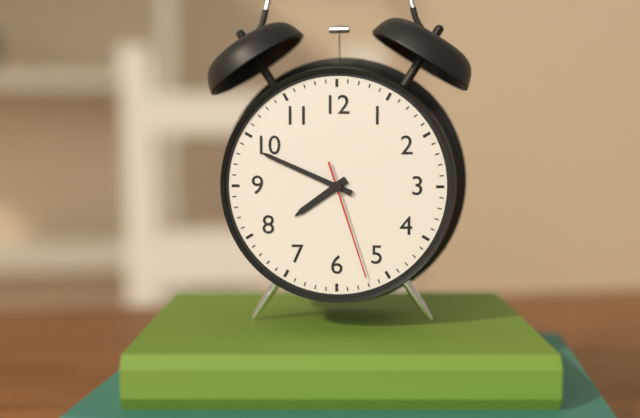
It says 7:49:27
